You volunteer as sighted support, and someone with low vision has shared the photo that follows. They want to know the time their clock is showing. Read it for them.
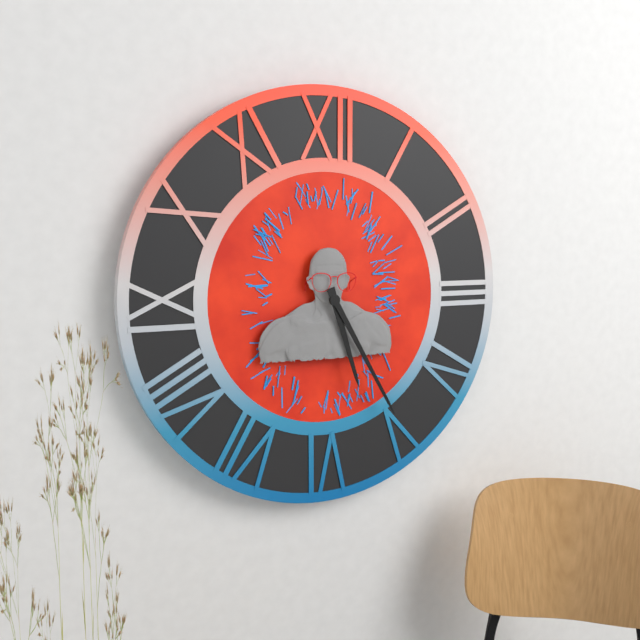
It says 5:25
